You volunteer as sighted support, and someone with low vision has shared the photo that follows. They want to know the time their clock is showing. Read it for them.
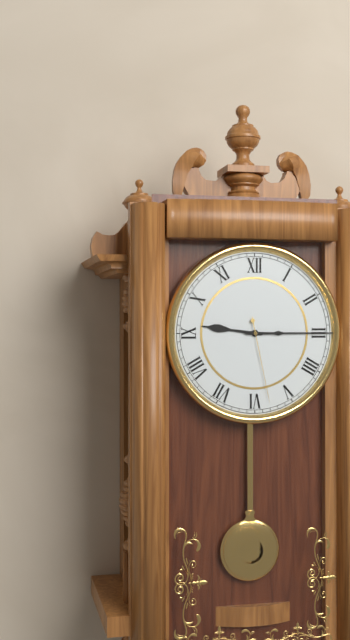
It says 9:15:28
